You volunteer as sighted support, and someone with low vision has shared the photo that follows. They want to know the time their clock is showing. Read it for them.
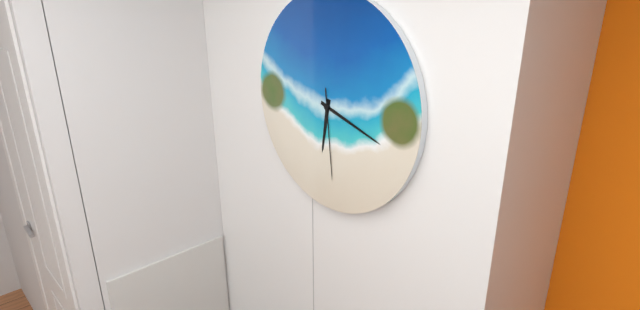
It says 6:18:29
